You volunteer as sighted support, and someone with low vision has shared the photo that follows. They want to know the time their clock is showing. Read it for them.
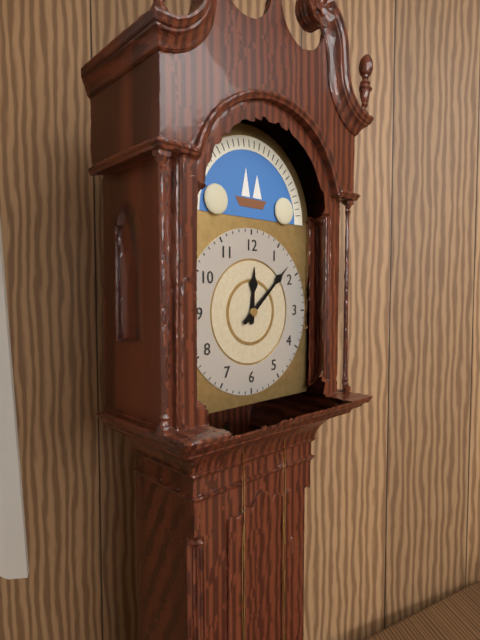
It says 12:08
